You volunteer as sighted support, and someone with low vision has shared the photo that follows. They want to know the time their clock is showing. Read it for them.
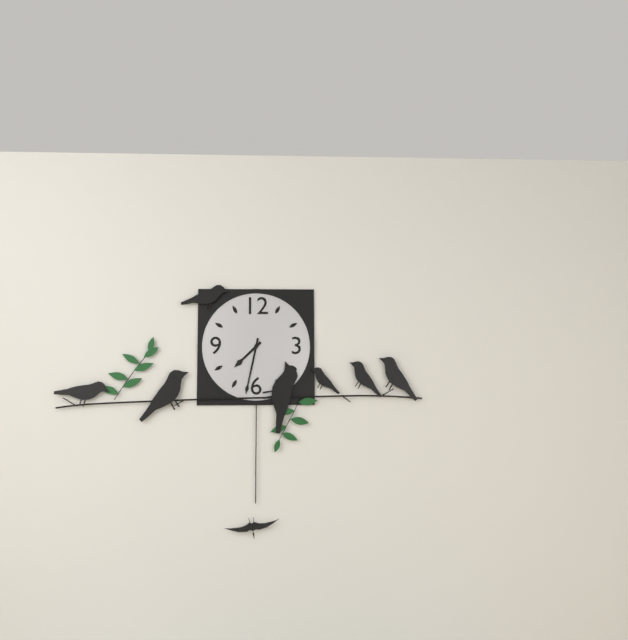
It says 7:32
